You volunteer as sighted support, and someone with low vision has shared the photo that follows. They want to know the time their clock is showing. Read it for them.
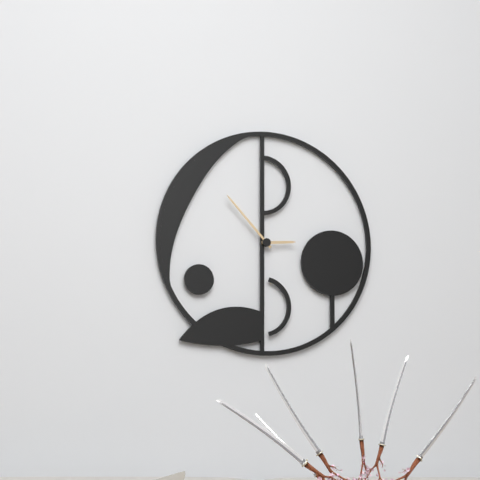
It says 2:53
